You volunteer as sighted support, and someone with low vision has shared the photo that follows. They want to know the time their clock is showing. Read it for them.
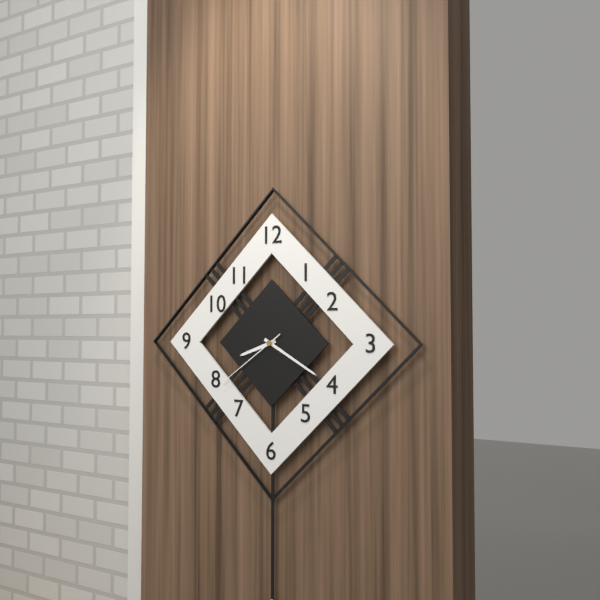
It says 8:20:39
